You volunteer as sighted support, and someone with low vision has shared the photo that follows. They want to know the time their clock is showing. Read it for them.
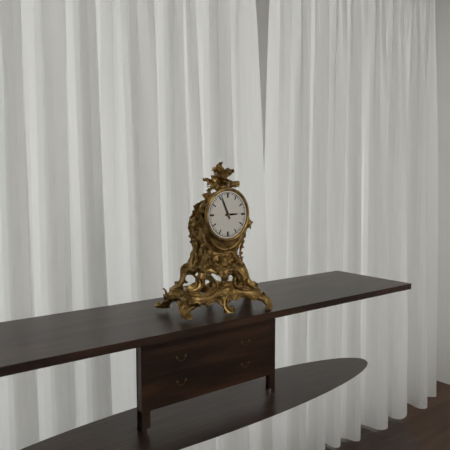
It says 2:56
